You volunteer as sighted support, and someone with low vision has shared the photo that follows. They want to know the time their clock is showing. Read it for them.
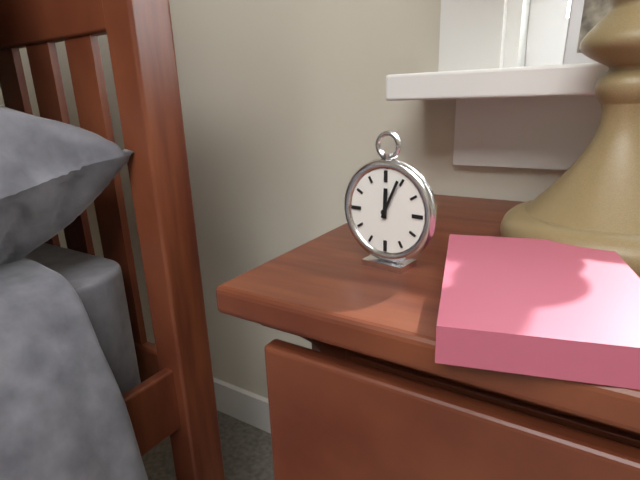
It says 12:04
